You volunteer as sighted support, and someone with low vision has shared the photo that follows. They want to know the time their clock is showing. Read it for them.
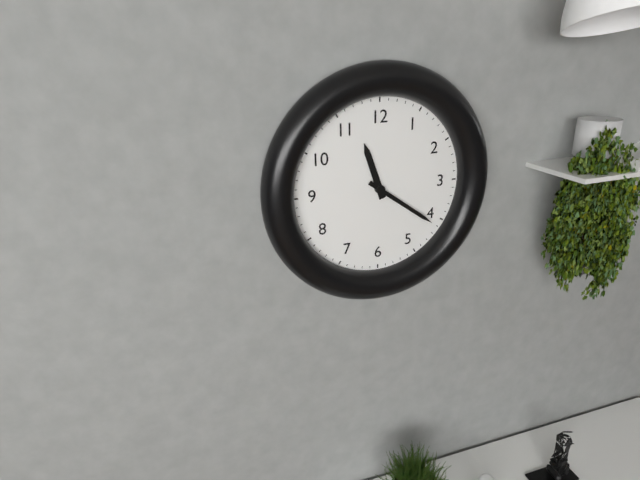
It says 11:21
